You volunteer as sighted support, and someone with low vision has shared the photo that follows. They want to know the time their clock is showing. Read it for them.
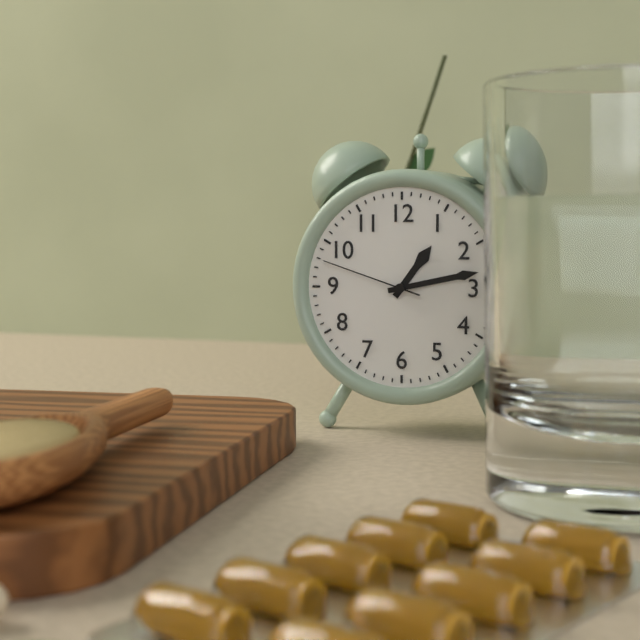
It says 1:13:48
